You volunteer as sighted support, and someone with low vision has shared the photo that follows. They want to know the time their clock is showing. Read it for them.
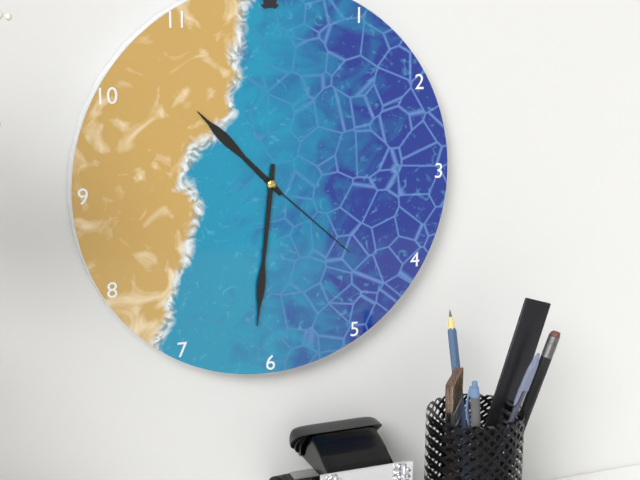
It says 10:31:22
